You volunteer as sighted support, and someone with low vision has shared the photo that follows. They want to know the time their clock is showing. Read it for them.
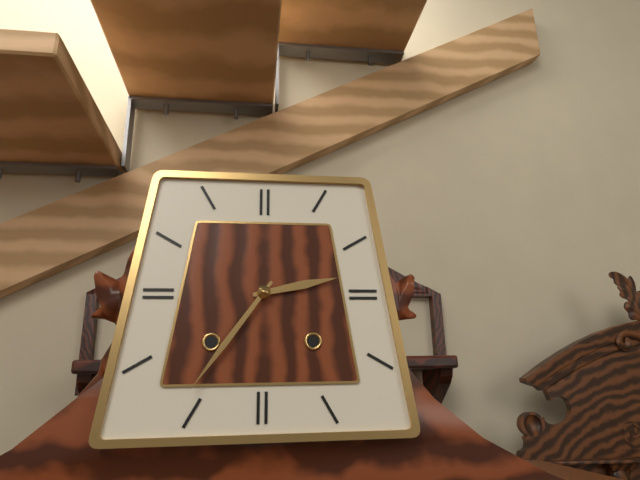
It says 2:36
